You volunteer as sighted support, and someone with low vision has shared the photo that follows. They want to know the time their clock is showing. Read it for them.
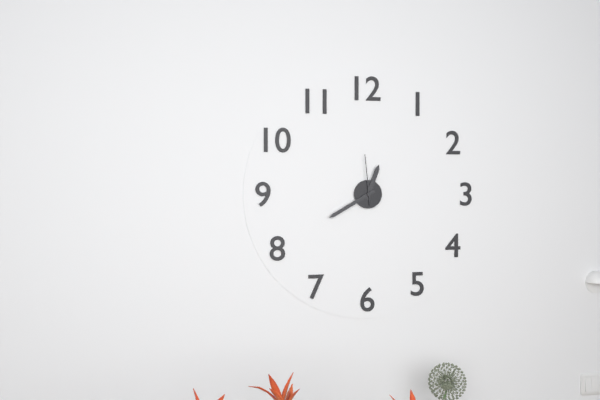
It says 12:40:59
